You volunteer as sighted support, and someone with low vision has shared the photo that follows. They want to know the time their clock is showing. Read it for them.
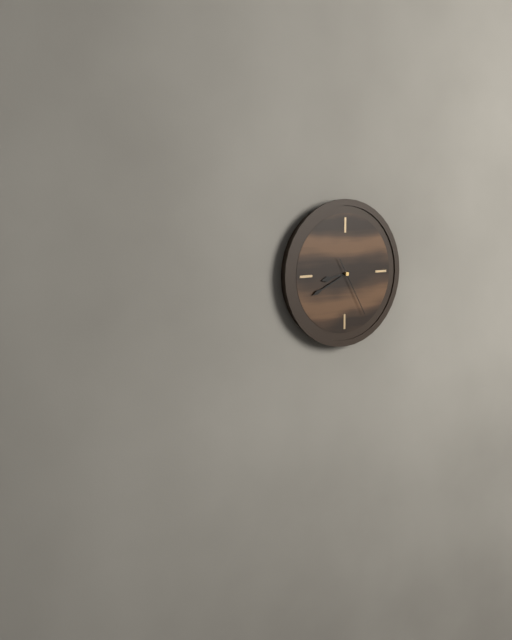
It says 8:41:25
